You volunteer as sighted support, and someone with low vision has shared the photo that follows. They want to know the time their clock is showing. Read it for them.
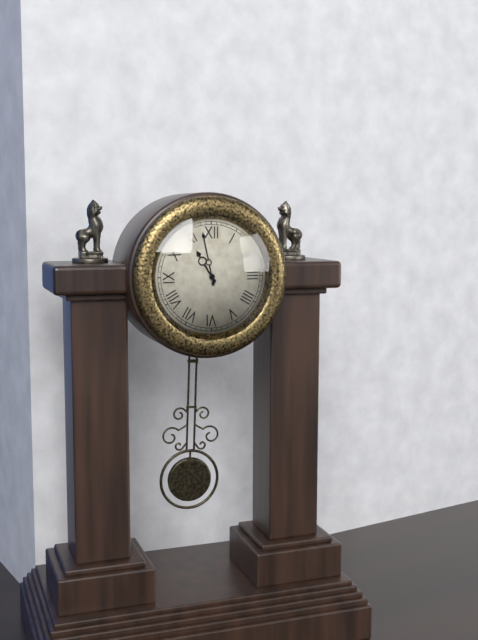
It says 10:58
